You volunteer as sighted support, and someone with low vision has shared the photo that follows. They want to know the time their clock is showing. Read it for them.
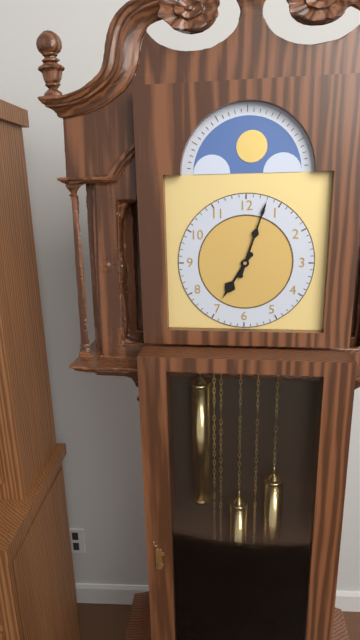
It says 7:03
